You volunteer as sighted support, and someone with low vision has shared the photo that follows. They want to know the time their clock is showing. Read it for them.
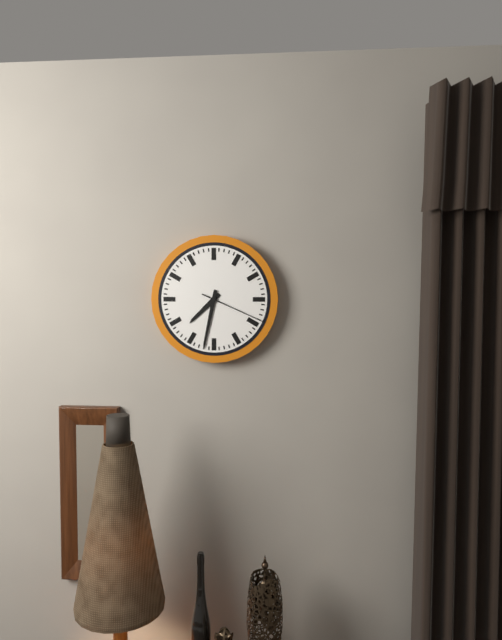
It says 7:32:19
